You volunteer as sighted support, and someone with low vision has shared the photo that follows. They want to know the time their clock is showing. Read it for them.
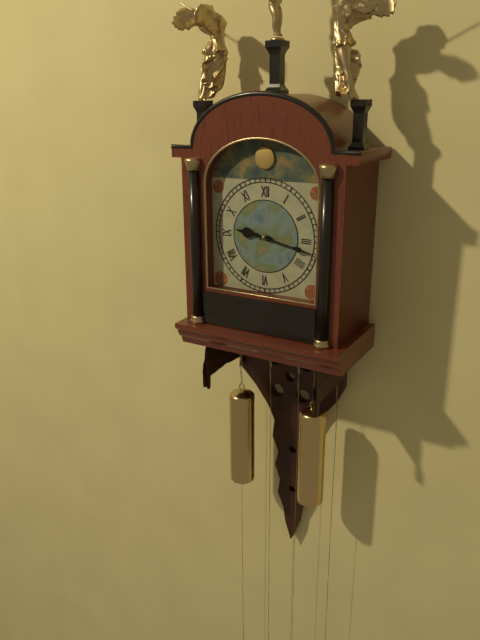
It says 9:17
